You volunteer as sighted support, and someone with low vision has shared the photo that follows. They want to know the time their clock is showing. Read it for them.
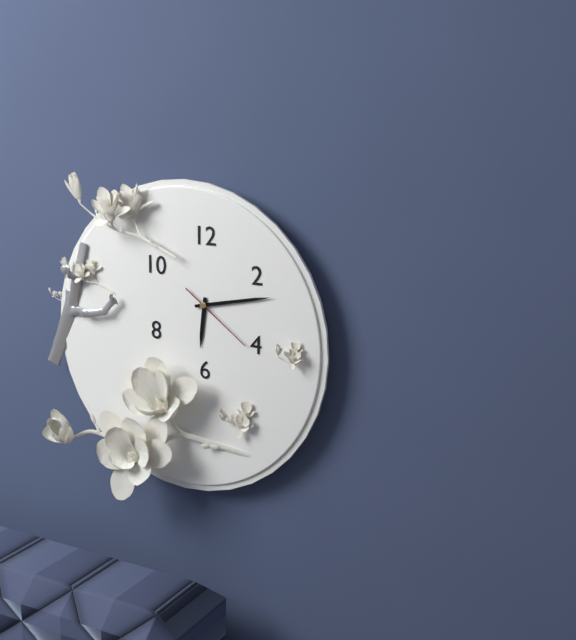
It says 6:13:21
